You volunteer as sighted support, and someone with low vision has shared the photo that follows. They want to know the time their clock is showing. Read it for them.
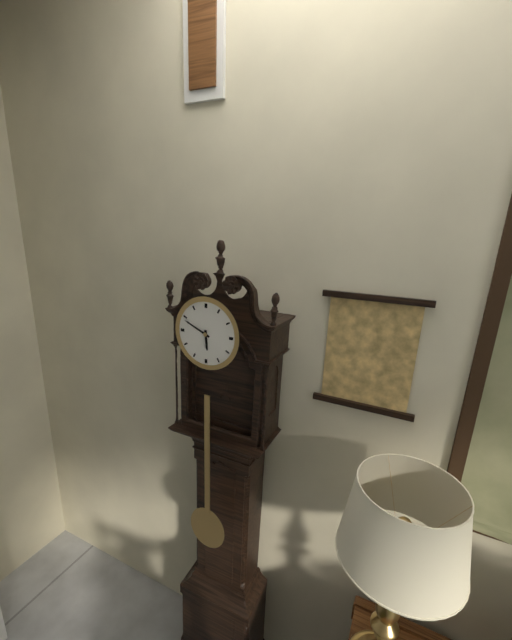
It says 5:49
